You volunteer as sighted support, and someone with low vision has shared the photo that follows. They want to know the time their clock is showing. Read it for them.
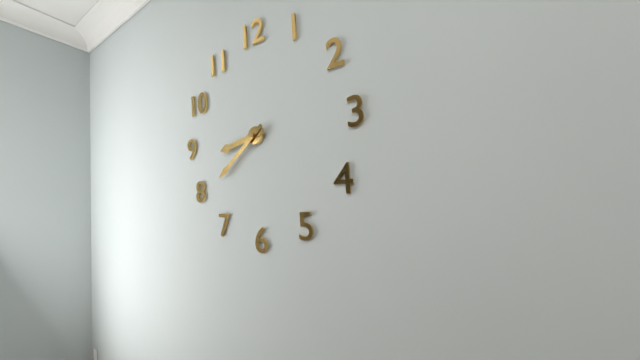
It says 8:39
